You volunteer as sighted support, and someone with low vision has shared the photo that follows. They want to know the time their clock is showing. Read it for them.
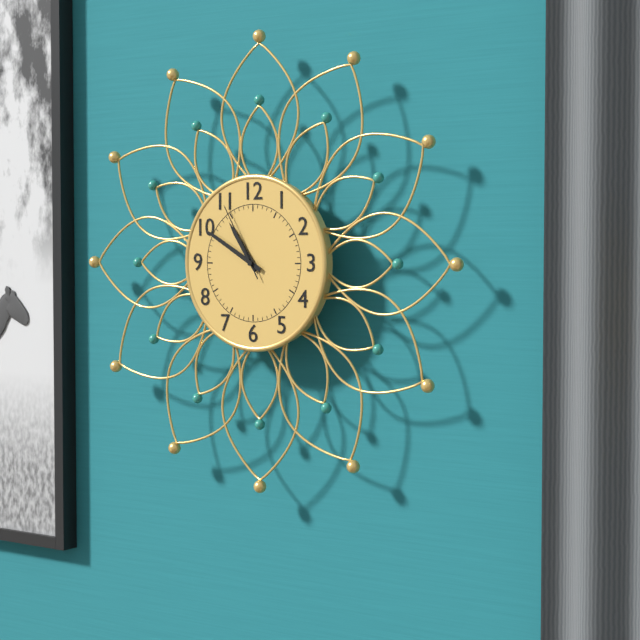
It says 10:50:55
